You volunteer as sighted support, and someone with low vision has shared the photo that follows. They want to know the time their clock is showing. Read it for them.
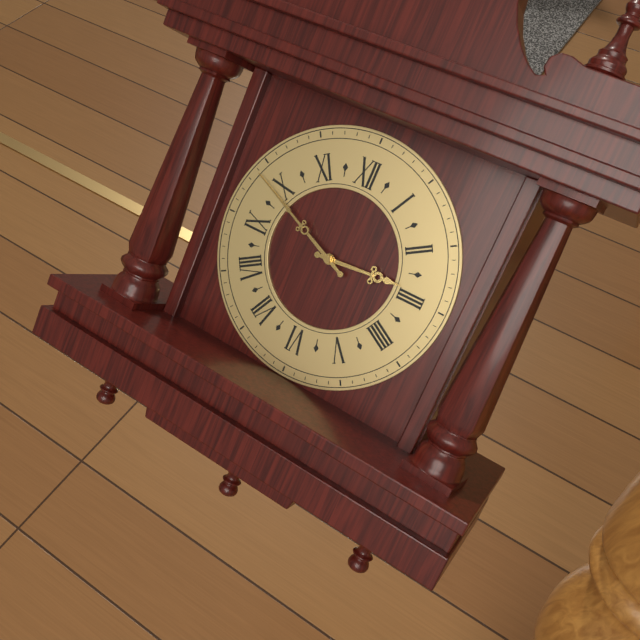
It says 2:49
